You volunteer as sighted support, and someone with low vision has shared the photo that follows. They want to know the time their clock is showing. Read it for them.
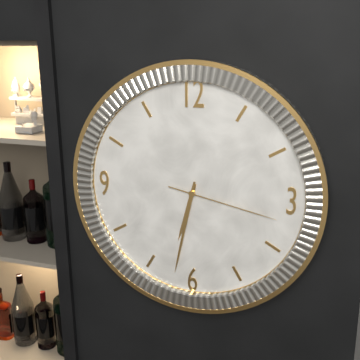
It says 6:32:17
